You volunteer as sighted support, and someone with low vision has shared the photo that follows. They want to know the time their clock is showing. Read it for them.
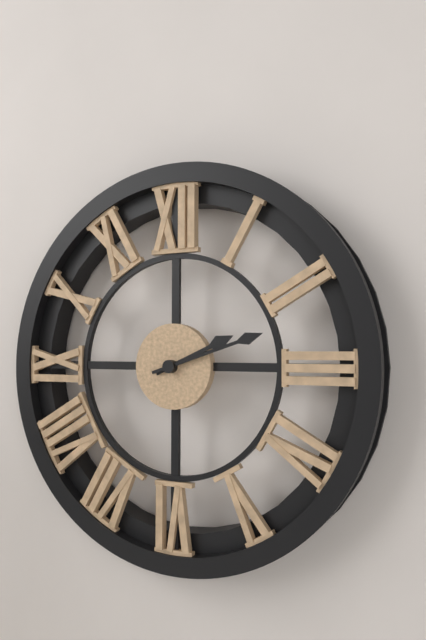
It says 2:12
